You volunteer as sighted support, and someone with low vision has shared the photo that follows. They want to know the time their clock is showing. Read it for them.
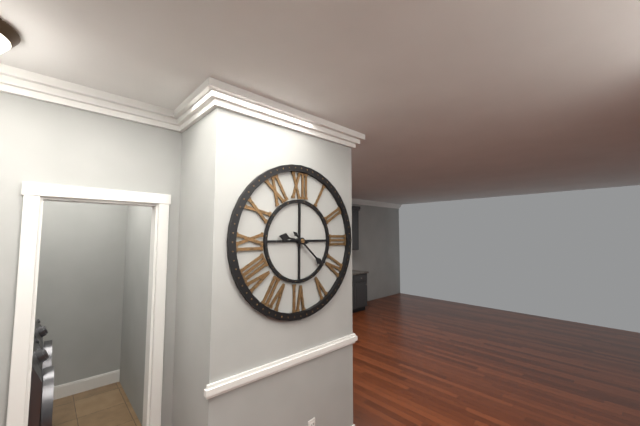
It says 9:22
